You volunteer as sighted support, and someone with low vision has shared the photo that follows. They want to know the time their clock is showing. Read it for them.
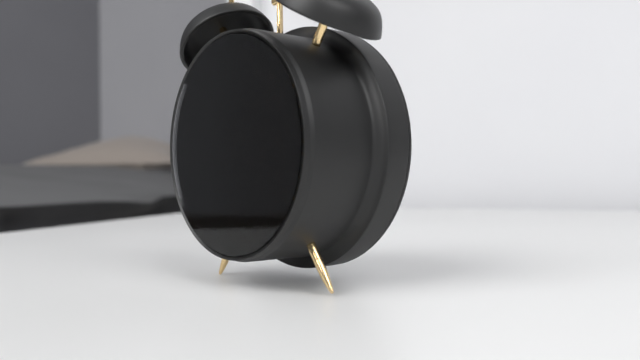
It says 4:52:07
